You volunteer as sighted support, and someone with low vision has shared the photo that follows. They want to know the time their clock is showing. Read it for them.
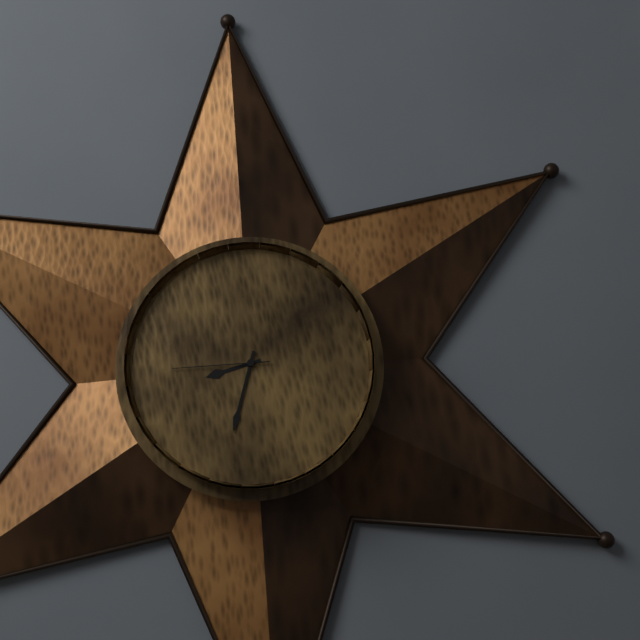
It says 8:33:45
